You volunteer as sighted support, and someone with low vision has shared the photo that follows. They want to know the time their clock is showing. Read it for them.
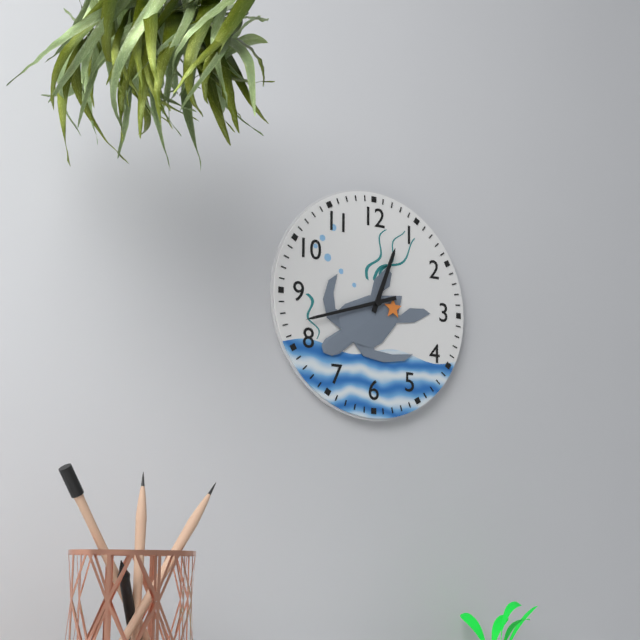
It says 12:42
